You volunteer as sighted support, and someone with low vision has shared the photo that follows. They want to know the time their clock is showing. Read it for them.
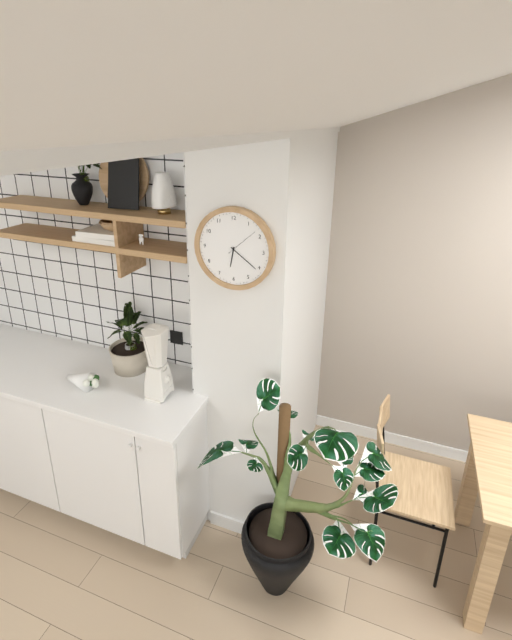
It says 6:21
